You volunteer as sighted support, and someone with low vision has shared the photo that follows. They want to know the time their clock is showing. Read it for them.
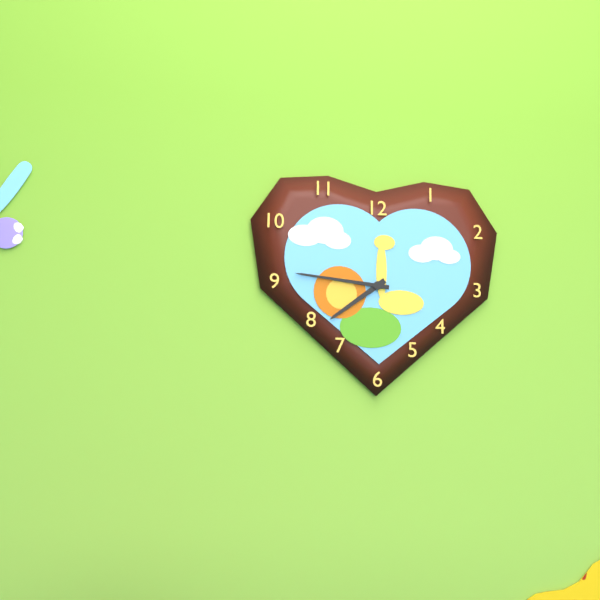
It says 7:46
